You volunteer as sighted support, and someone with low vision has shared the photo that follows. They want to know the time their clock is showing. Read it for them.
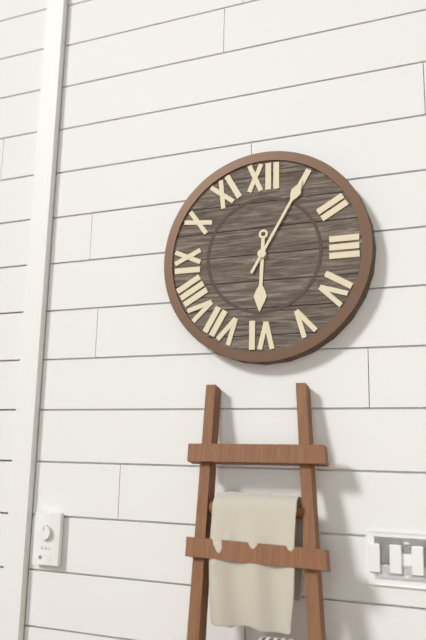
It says 6:05
